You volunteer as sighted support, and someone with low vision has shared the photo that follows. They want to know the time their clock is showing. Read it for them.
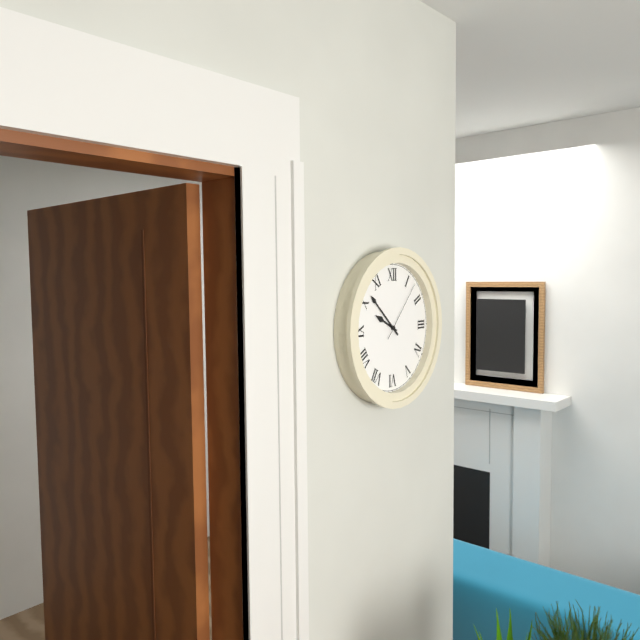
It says 9:52:07
